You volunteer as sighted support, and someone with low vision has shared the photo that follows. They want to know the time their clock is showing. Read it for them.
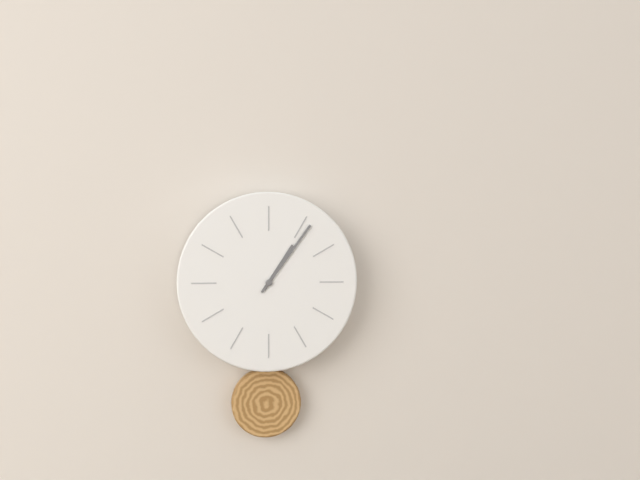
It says 1:06
